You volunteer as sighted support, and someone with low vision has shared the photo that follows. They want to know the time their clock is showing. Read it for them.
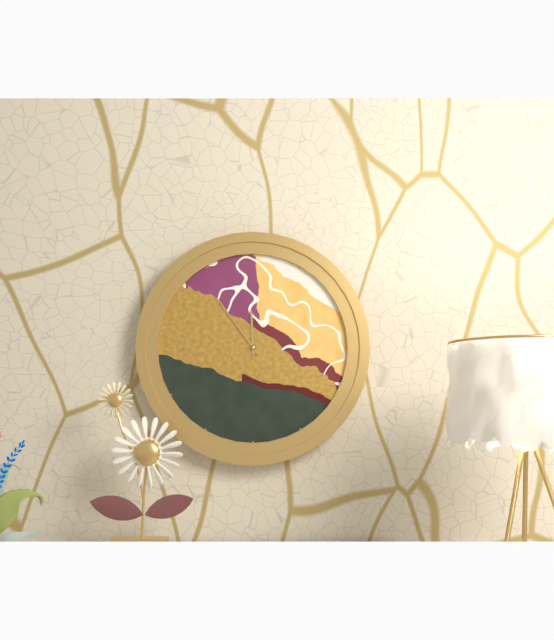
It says 11:54
